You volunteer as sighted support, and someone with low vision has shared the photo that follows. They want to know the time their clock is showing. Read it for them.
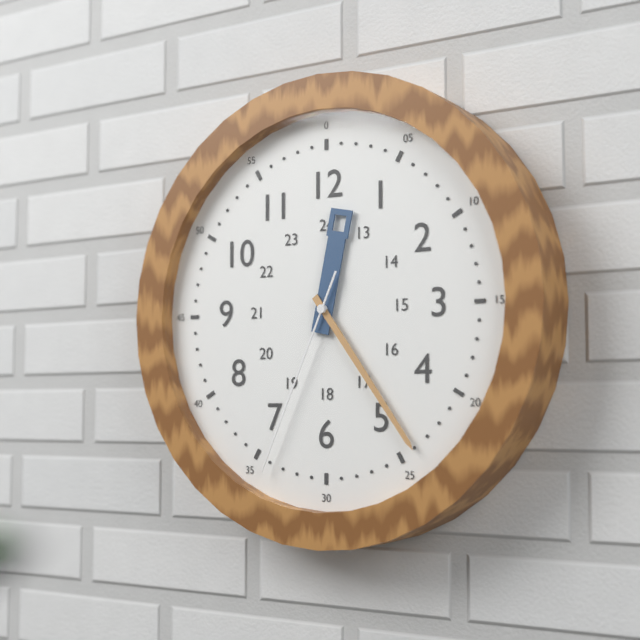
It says 12:24:34
